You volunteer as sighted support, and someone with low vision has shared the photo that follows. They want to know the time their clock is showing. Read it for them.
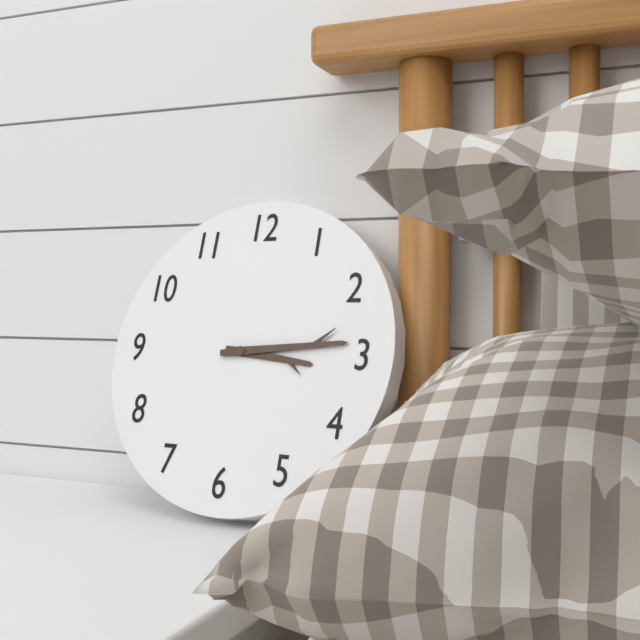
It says 3:14
